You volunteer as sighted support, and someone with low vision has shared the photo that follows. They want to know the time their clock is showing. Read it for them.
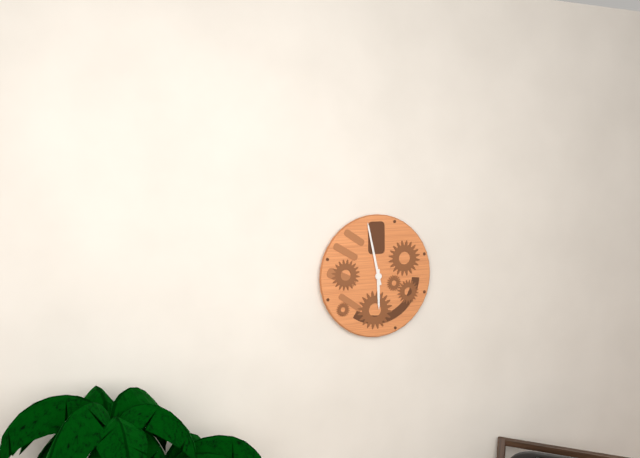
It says 5:58
